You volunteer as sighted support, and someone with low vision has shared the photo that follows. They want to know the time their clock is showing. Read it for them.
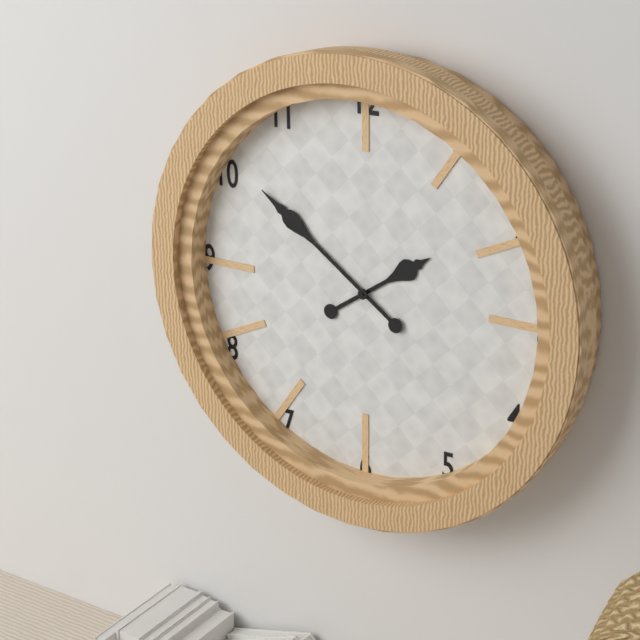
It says 1:51
